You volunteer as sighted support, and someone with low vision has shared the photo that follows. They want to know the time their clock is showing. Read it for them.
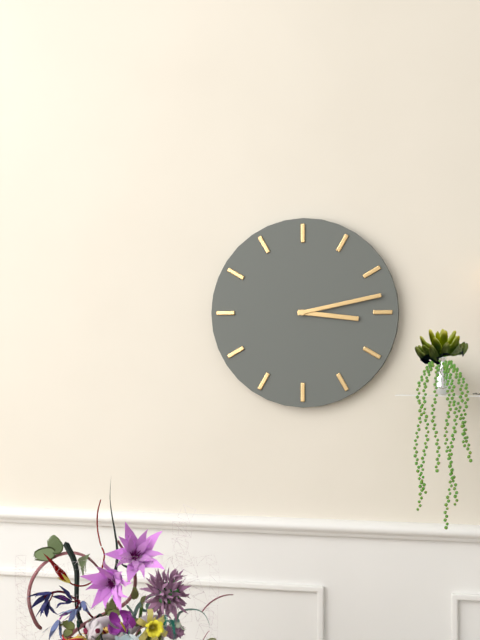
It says 3:13
